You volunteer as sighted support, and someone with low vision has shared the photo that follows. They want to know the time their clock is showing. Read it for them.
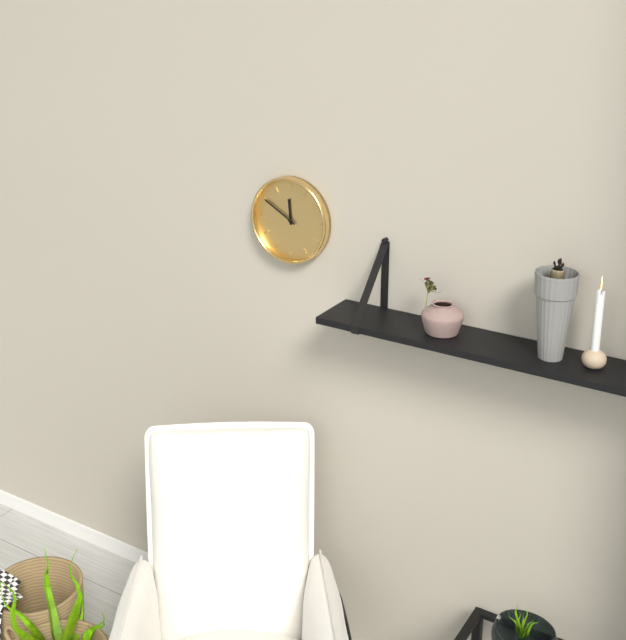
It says 11:50
